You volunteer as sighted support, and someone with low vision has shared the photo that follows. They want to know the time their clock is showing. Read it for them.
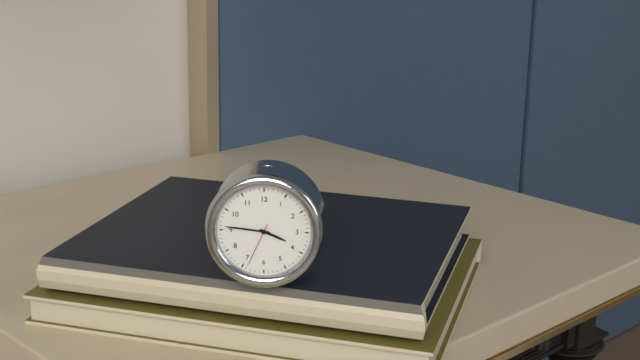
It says 3:46
